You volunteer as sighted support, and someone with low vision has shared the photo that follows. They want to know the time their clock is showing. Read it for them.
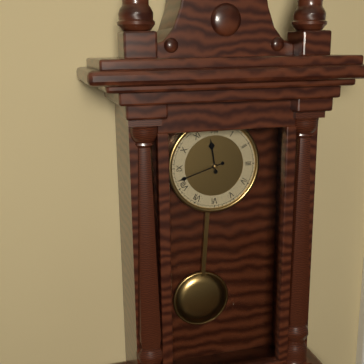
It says 11:42
